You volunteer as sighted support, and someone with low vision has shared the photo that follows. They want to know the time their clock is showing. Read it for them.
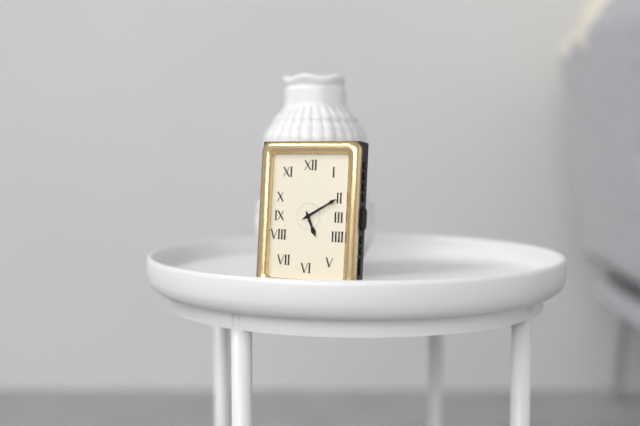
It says 5:10
